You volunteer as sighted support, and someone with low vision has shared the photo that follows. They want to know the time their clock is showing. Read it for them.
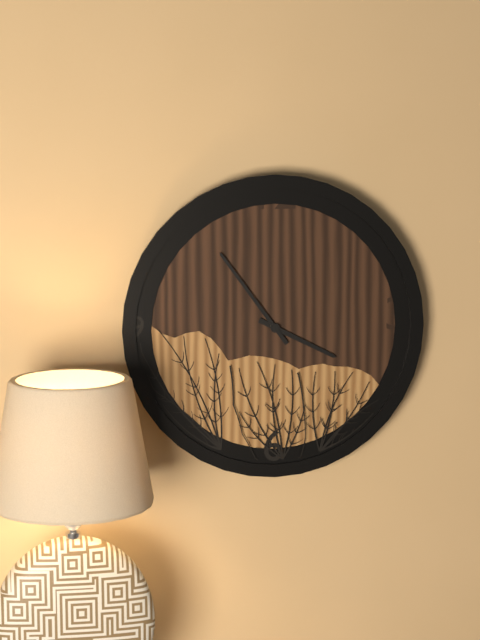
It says 3:54
